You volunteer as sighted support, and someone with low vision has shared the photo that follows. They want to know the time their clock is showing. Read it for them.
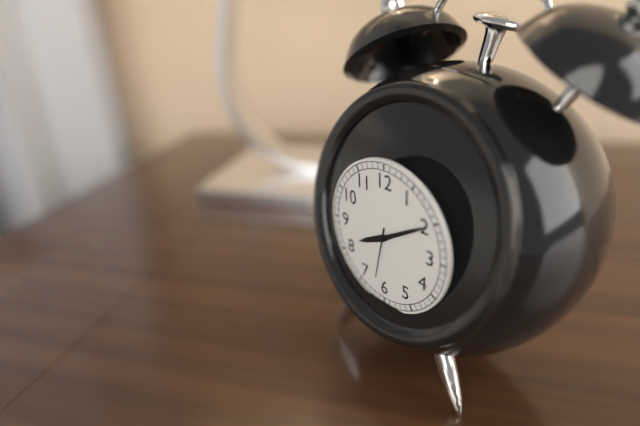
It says 8:10
